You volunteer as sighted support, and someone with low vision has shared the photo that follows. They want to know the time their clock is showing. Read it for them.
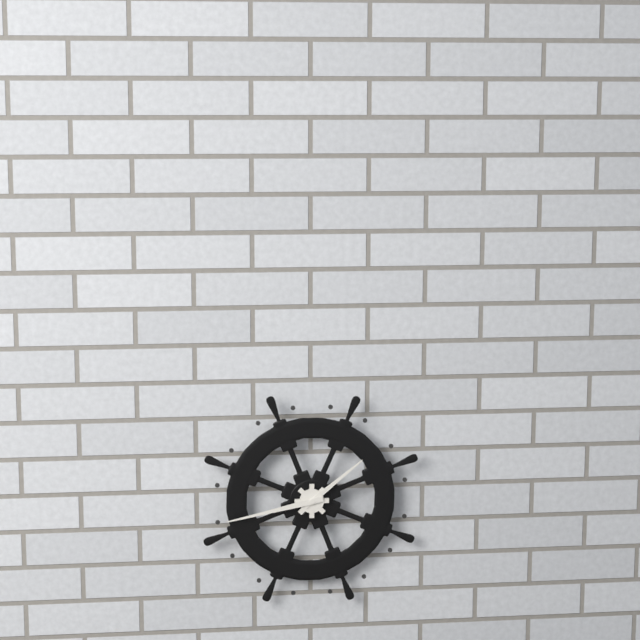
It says 1:43
